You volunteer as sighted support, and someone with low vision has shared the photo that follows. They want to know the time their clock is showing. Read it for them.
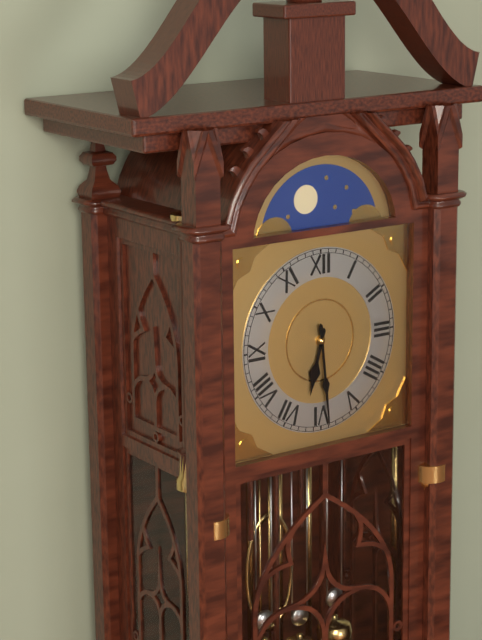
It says 6:29
